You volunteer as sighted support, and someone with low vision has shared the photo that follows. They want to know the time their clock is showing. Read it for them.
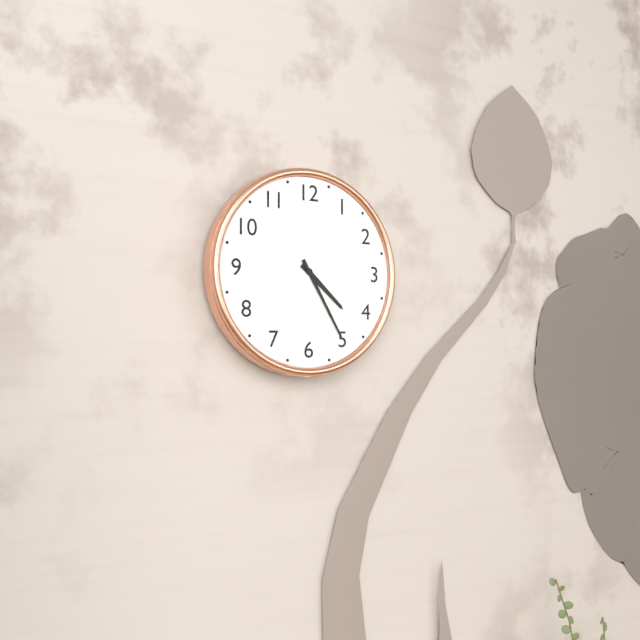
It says 4:25
